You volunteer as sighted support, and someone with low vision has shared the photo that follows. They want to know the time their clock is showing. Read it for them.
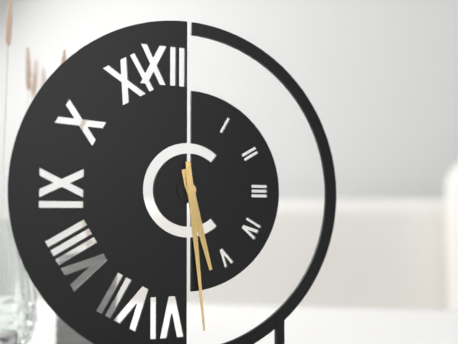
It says 5:29
